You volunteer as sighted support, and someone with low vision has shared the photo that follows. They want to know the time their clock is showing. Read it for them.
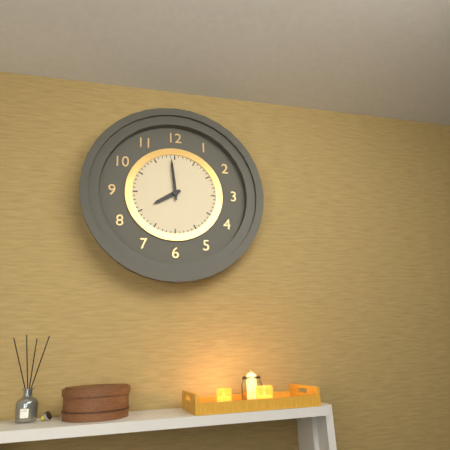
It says 7:59
